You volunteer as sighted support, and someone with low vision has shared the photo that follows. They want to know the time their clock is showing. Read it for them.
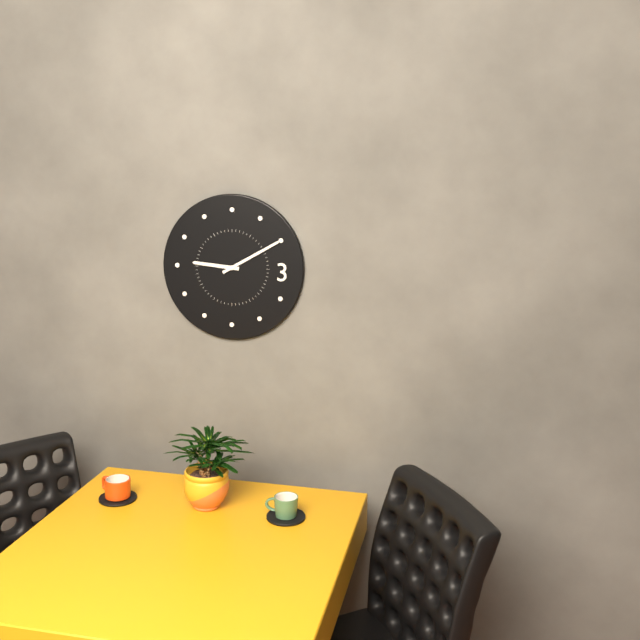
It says 9:10
